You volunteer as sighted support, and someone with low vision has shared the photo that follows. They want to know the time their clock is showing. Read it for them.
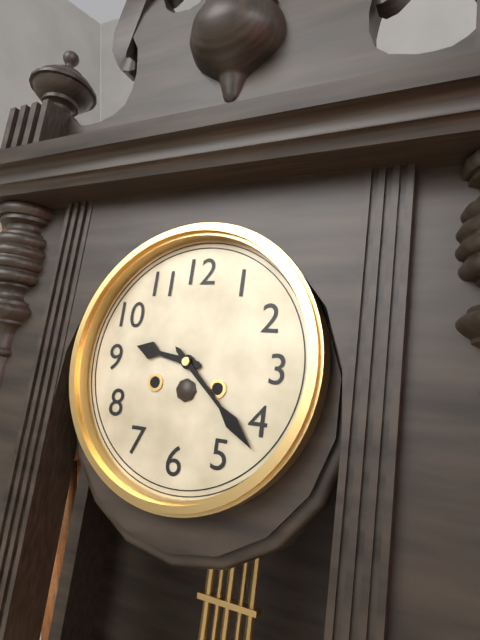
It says 9:22
